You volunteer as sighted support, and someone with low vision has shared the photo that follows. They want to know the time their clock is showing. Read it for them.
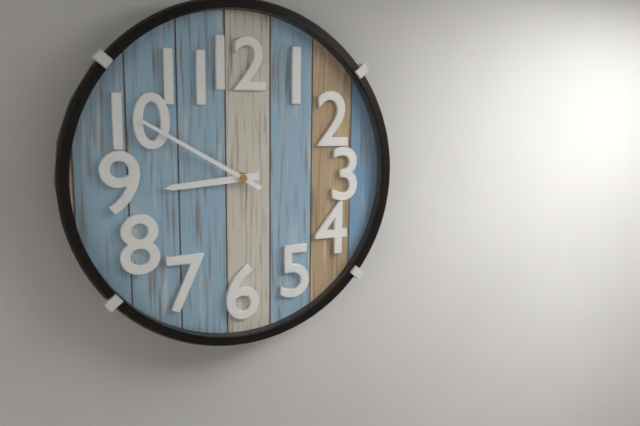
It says 8:50
